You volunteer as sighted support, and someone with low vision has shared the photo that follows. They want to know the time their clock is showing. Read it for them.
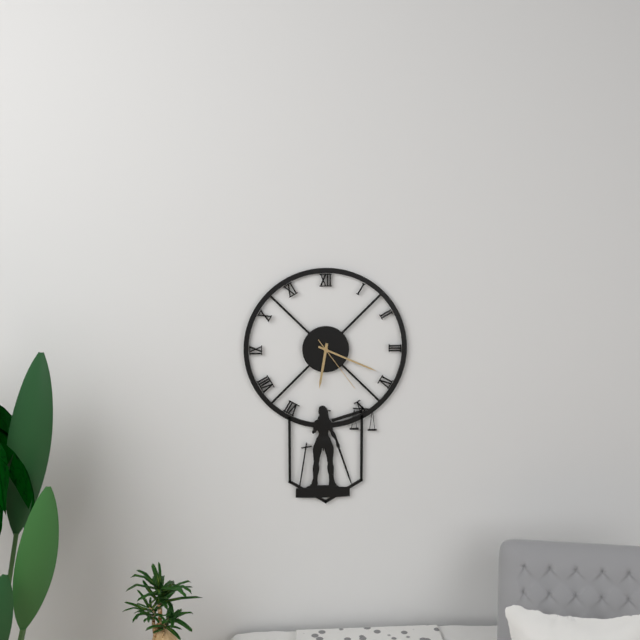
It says 6:19:24
